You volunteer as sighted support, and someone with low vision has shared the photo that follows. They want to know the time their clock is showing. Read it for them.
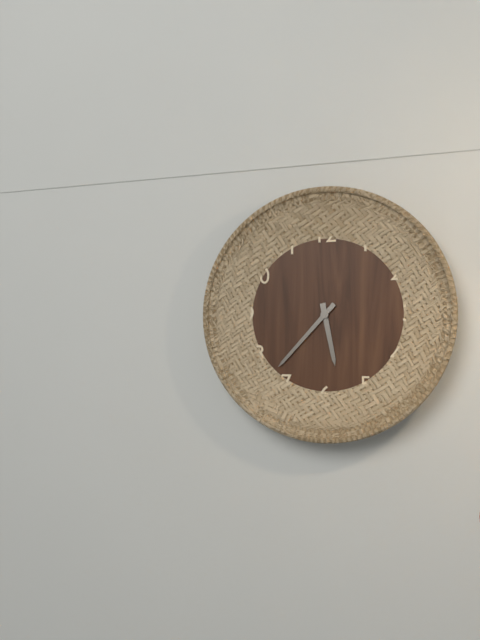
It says 5:37
